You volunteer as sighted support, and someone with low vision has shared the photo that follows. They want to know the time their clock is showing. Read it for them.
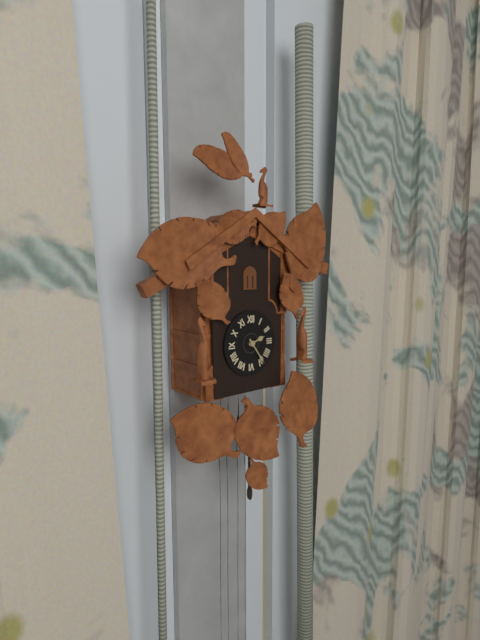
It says 2:24
